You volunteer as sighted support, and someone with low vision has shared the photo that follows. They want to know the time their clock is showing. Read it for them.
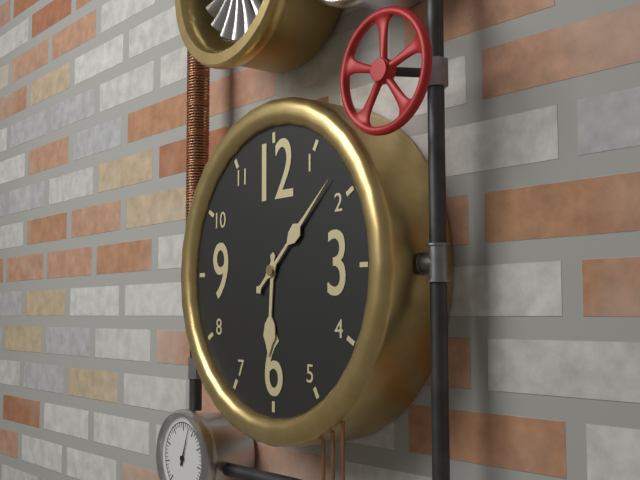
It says 6:08
